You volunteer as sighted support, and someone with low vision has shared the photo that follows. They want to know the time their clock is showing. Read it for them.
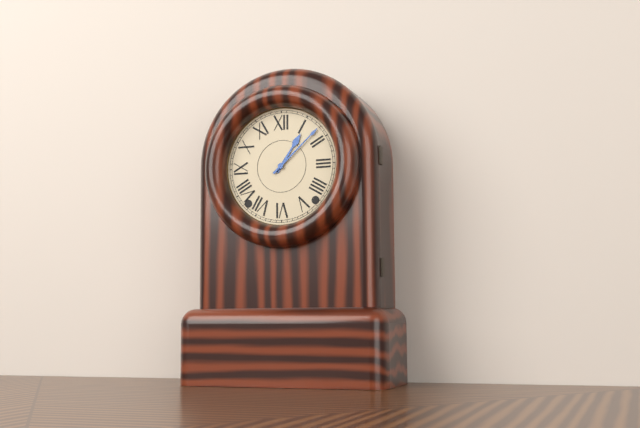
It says 1:08
